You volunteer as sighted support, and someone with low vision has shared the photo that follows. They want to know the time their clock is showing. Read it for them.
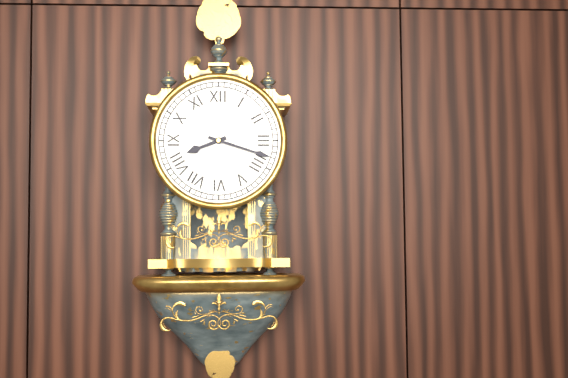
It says 8:18
